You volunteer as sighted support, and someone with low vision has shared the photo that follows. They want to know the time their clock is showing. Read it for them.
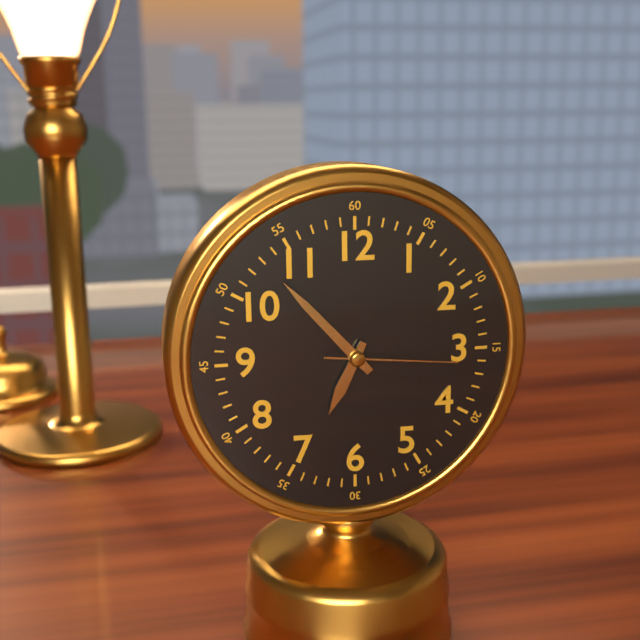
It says 6:53:16
